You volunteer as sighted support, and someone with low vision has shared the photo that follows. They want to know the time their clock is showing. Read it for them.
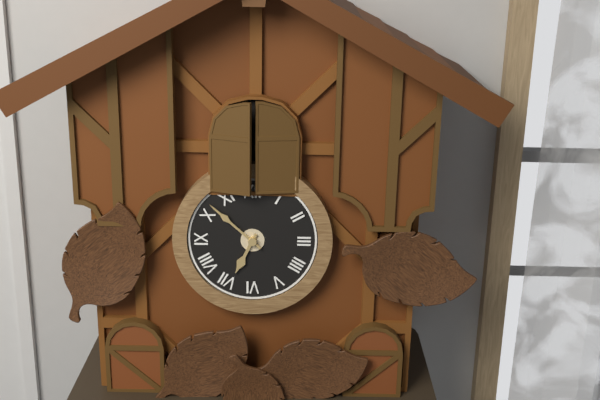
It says 6:52
